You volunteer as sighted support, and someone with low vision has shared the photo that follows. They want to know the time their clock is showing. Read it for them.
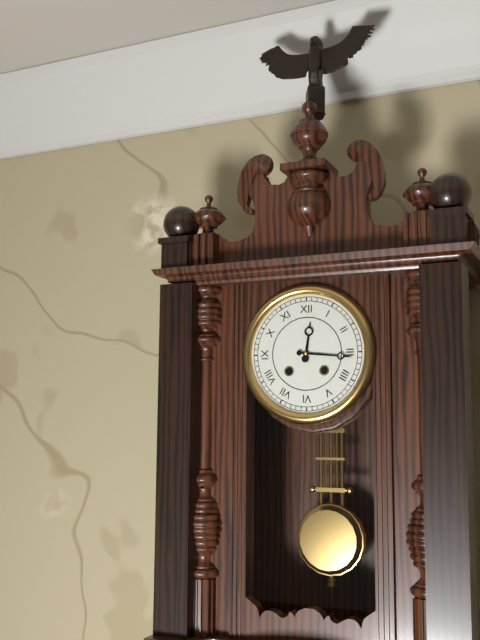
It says 12:16
